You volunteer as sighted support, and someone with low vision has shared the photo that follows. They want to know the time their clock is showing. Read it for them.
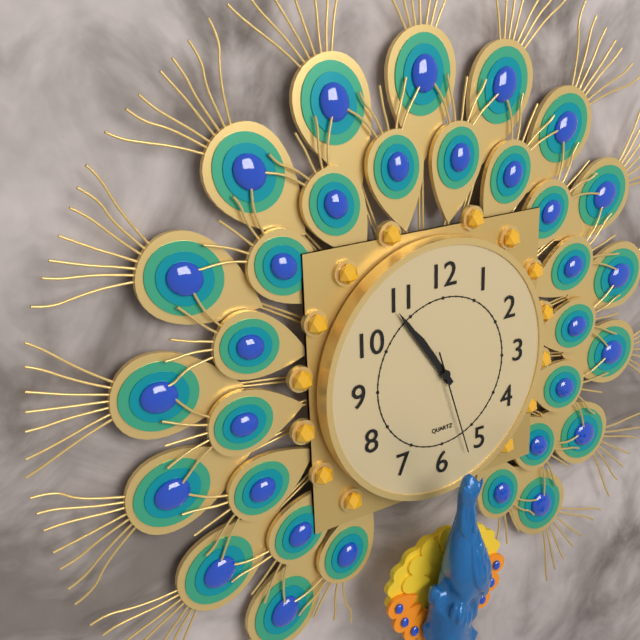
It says 10:54:27
